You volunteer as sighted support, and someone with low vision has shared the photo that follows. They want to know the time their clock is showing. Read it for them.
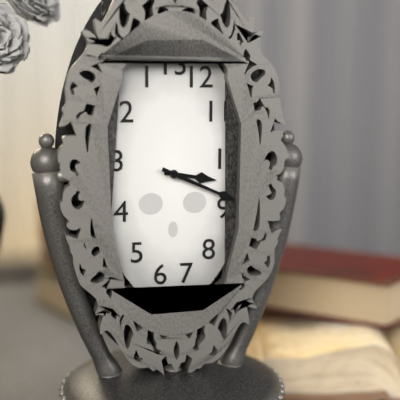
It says 3:19
